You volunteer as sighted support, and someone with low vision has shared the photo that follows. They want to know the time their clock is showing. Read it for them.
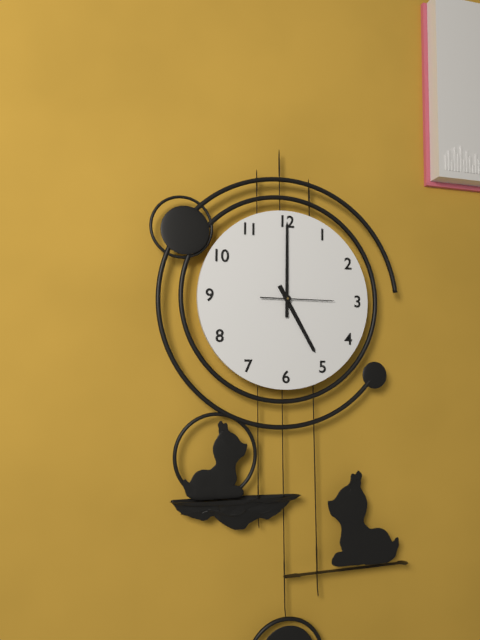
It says 5:00:15
